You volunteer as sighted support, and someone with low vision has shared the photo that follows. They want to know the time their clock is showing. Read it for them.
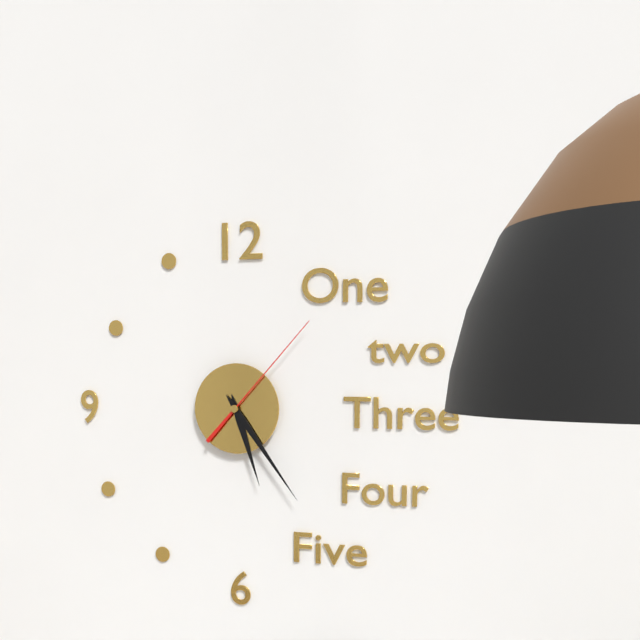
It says 5:24:07
